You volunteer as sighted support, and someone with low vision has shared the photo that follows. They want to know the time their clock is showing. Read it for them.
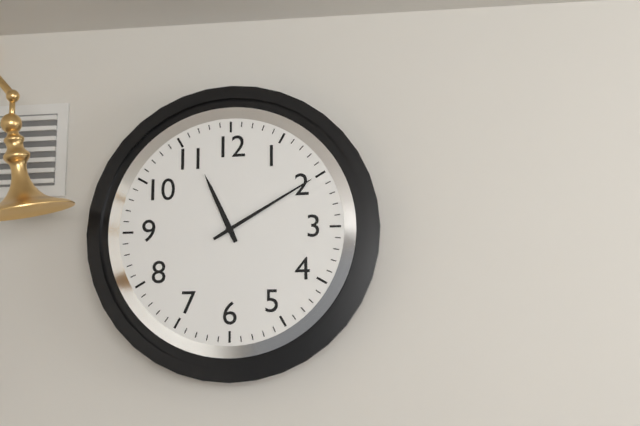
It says 11:10
